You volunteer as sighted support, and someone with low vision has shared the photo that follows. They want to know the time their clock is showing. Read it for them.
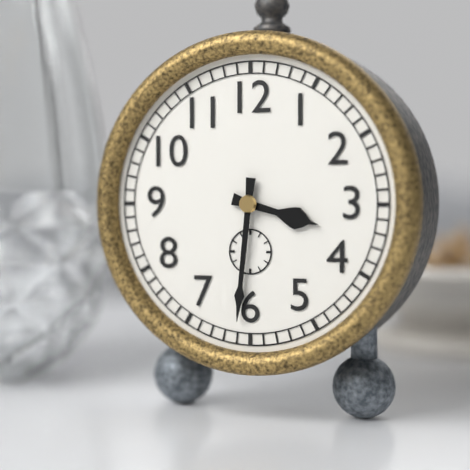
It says 3:31
